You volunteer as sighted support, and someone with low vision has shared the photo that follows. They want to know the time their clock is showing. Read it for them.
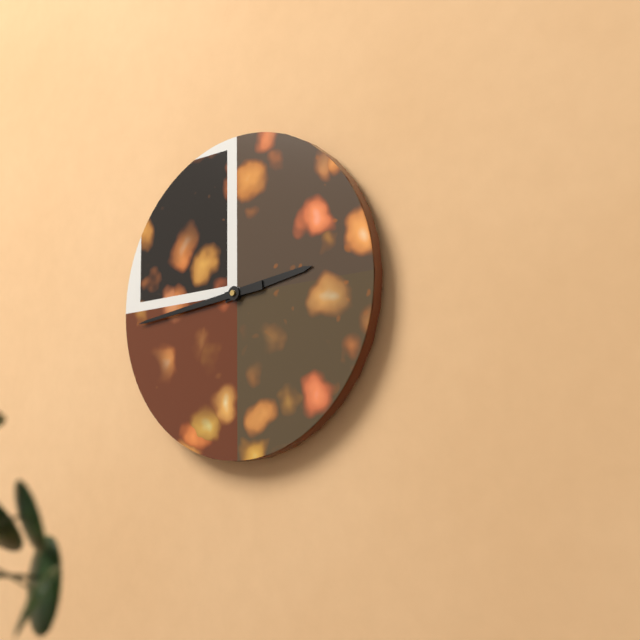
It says 2:44
